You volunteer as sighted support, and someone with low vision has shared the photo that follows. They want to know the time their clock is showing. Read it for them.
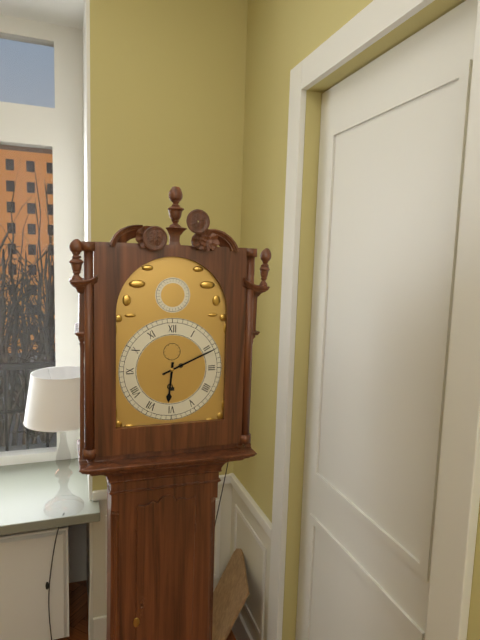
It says 6:11
